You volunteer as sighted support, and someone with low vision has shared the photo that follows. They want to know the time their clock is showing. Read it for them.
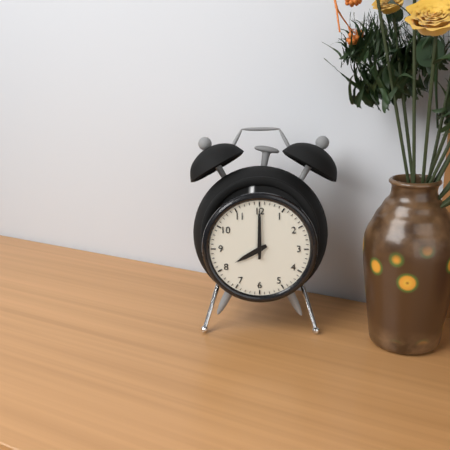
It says 8:00
